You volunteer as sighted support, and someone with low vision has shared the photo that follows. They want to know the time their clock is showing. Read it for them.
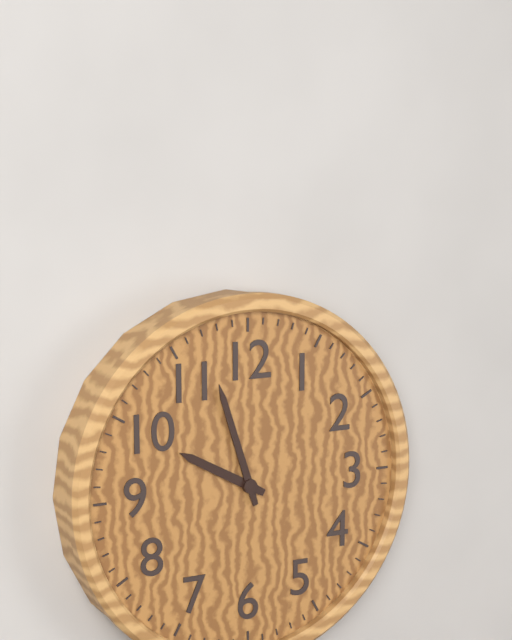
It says 9:57
